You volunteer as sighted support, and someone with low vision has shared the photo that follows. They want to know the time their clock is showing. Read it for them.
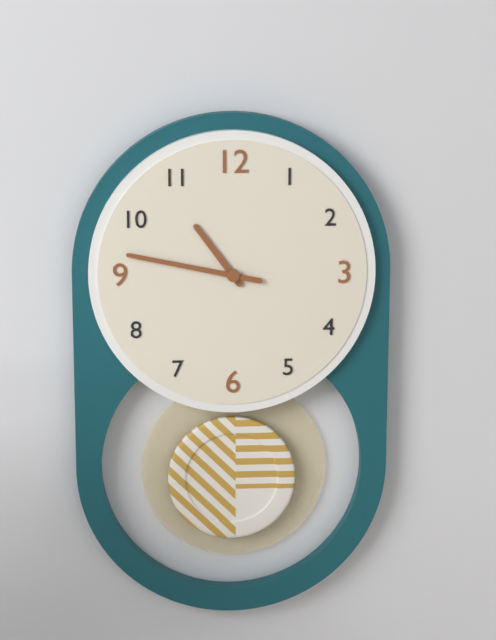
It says 10:47
